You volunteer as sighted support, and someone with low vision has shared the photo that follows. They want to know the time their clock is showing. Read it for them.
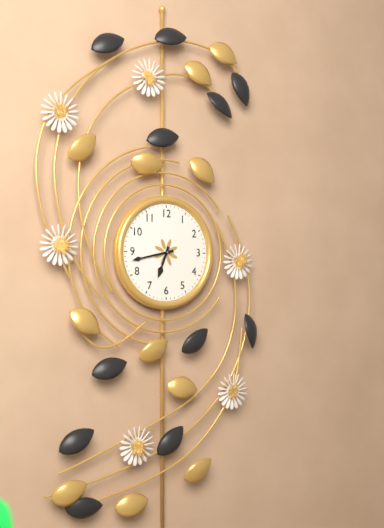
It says 6:43
